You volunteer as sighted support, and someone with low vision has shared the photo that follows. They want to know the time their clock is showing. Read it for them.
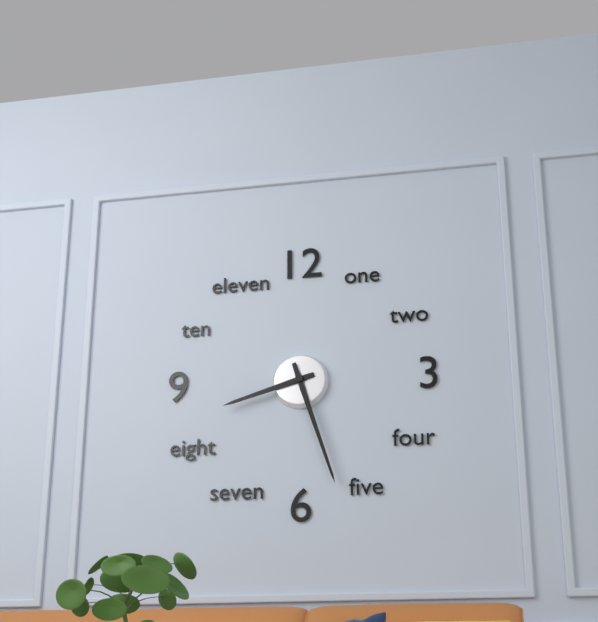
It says 8:27
